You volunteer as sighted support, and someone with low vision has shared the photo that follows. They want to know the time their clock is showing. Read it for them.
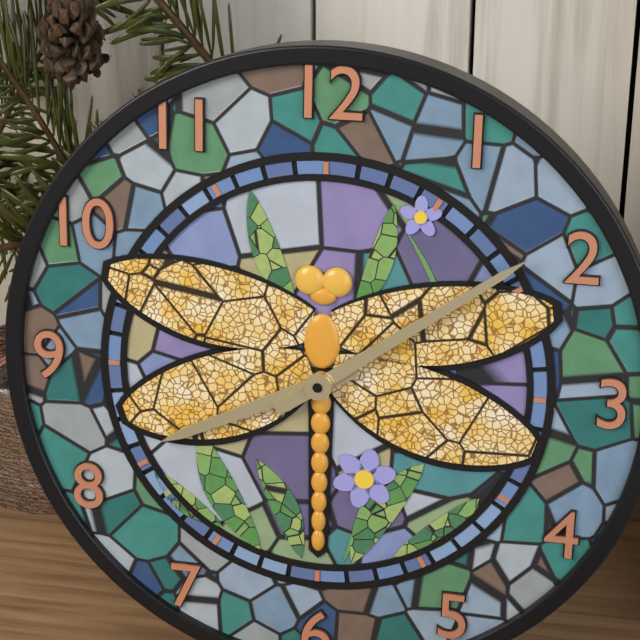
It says 8:09
